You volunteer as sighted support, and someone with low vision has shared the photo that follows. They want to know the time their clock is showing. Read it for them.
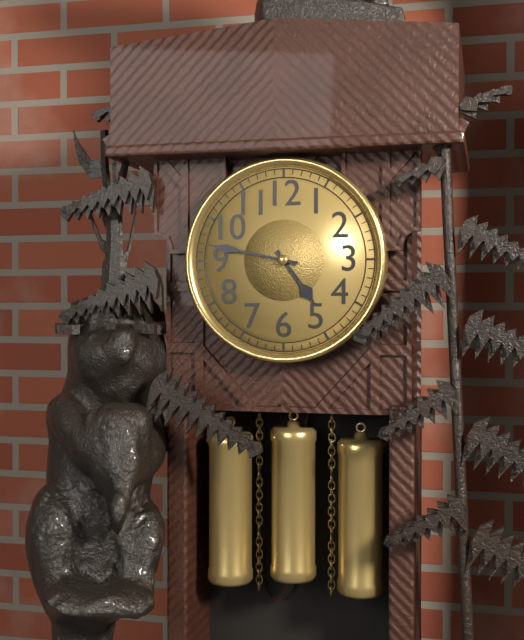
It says 4:47
